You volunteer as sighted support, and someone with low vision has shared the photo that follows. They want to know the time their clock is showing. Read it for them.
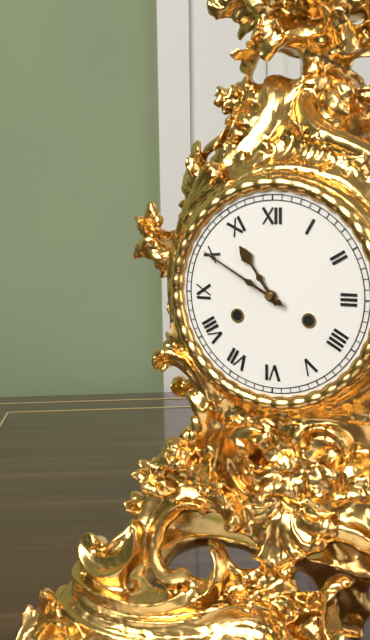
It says 10:50
